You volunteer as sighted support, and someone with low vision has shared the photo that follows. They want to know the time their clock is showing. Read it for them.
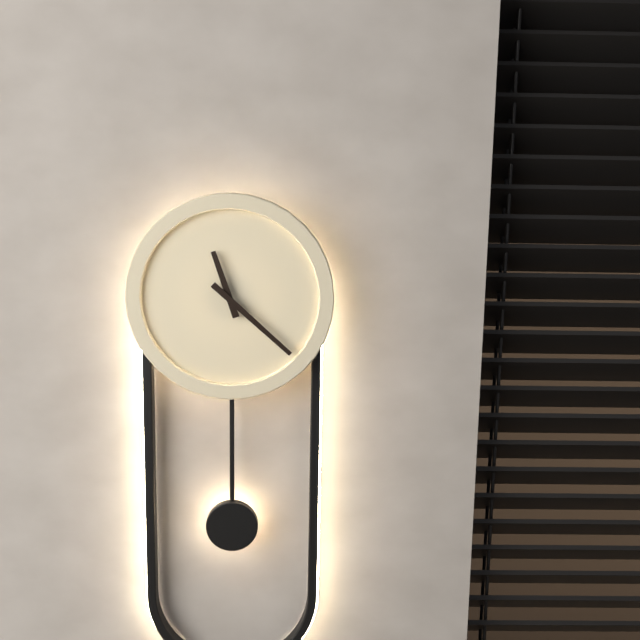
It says 11:22
